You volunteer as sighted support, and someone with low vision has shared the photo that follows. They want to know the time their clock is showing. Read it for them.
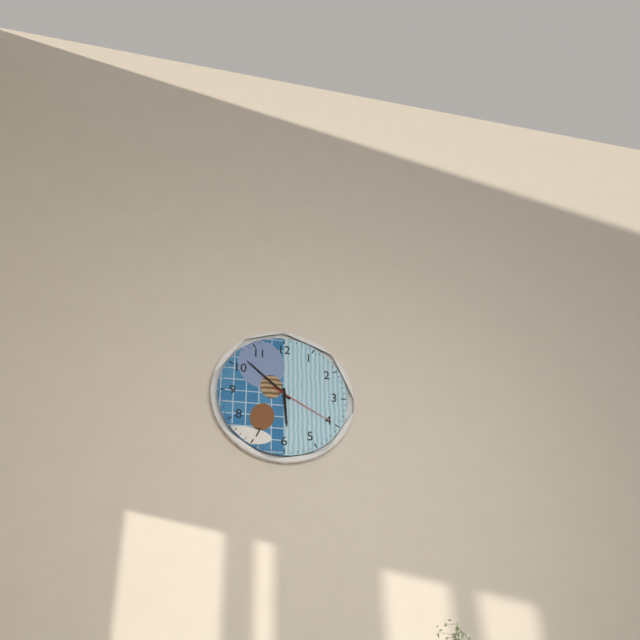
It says 5:52:20
